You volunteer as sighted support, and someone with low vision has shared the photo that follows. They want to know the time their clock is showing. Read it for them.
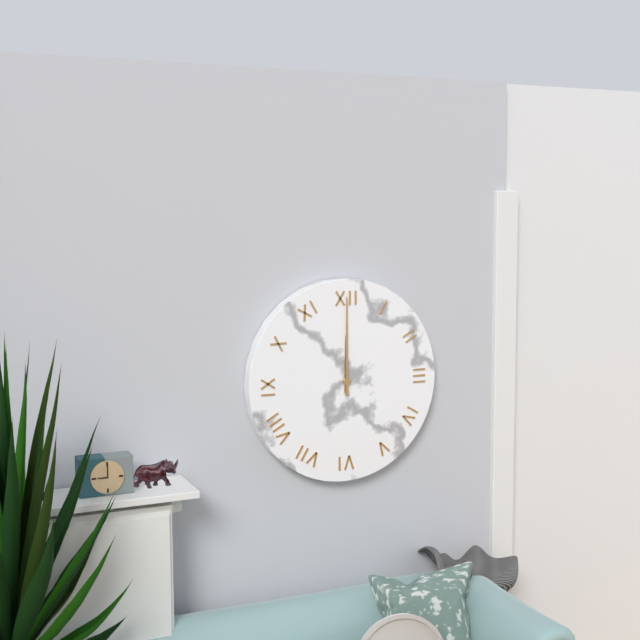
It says 12:00
